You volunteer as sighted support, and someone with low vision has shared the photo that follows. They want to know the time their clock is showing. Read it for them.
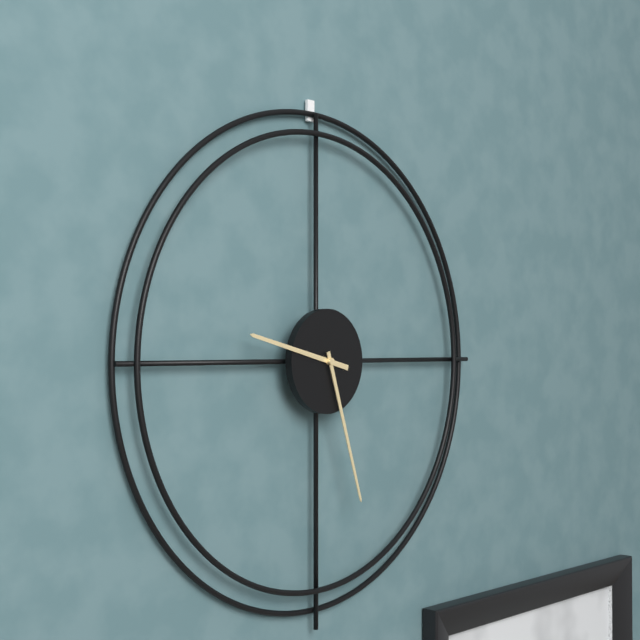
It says 9:27
